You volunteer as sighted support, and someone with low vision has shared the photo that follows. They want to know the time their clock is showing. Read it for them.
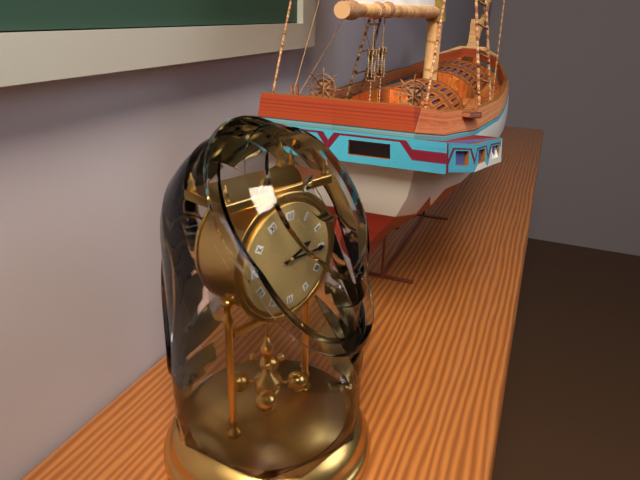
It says 2:15
